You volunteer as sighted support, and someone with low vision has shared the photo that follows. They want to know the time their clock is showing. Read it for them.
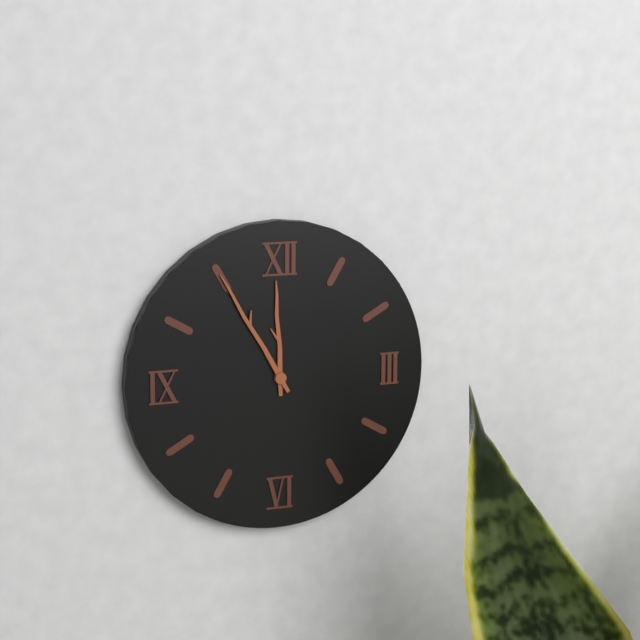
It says 11:55
